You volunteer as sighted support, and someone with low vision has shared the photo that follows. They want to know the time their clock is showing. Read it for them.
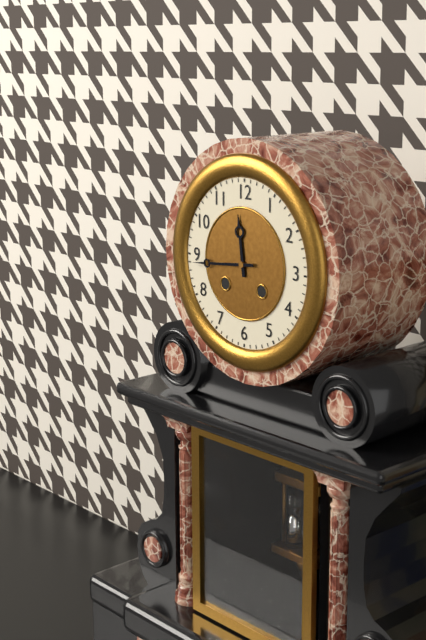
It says 11:44
